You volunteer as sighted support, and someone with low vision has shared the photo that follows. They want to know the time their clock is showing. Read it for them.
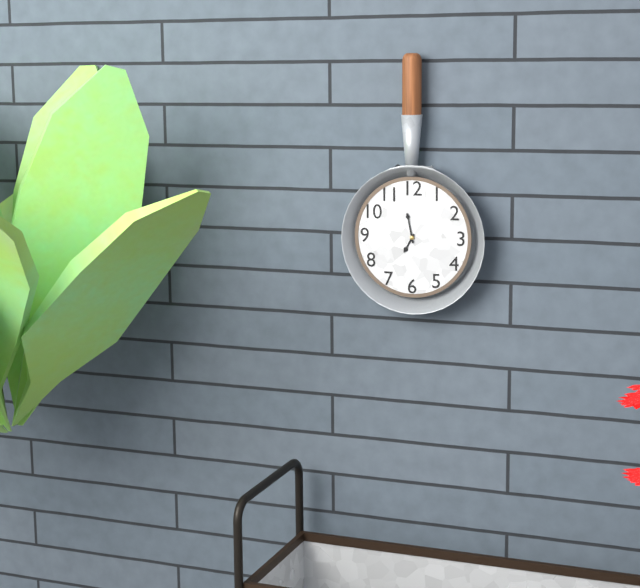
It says 6:58
